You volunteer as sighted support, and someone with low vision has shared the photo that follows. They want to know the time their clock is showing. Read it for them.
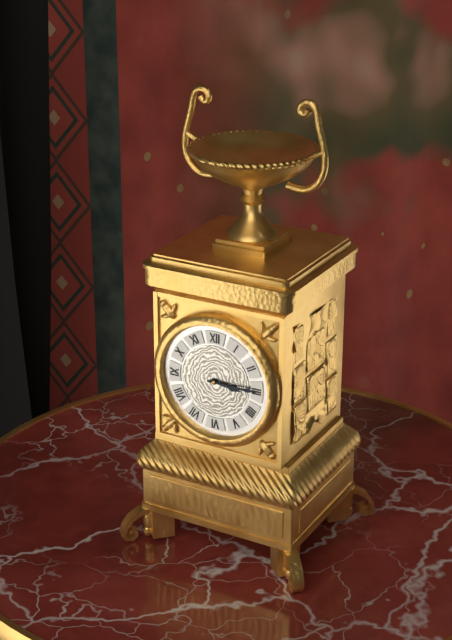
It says 3:15
